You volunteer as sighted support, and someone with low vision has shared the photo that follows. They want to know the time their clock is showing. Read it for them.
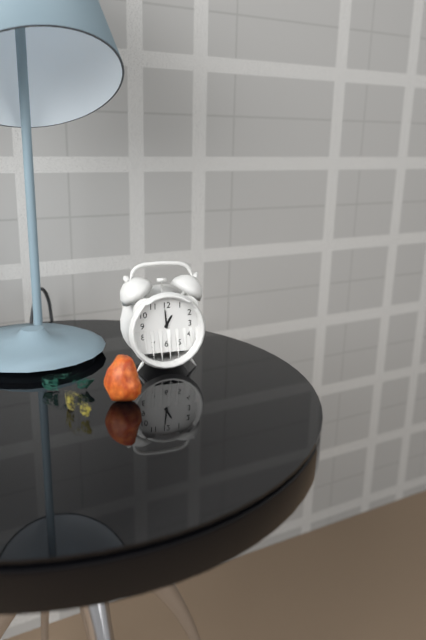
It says 12:59
